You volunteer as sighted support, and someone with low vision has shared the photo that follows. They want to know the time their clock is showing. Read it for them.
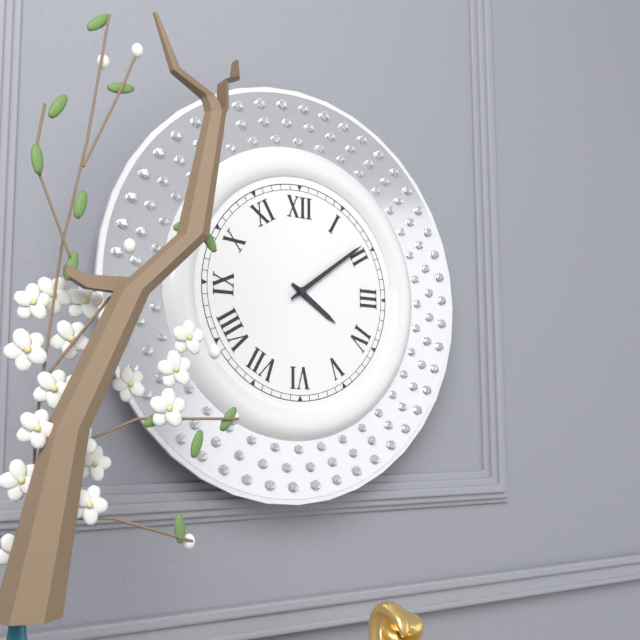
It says 4:09
